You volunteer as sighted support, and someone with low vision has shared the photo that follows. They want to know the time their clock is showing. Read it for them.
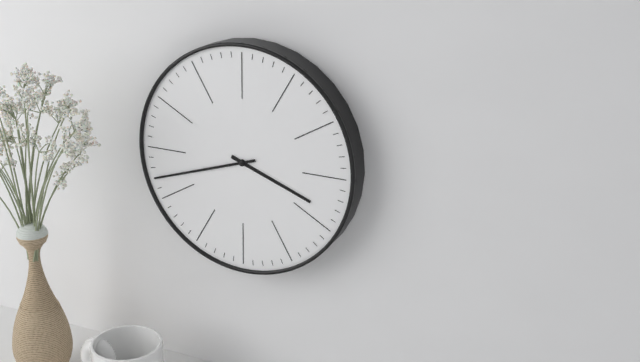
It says 3:42
